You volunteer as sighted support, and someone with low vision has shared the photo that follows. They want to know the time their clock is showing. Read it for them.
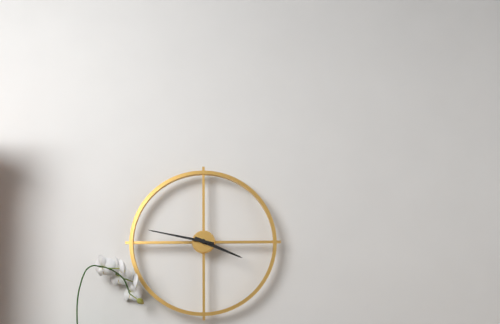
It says 3:47
